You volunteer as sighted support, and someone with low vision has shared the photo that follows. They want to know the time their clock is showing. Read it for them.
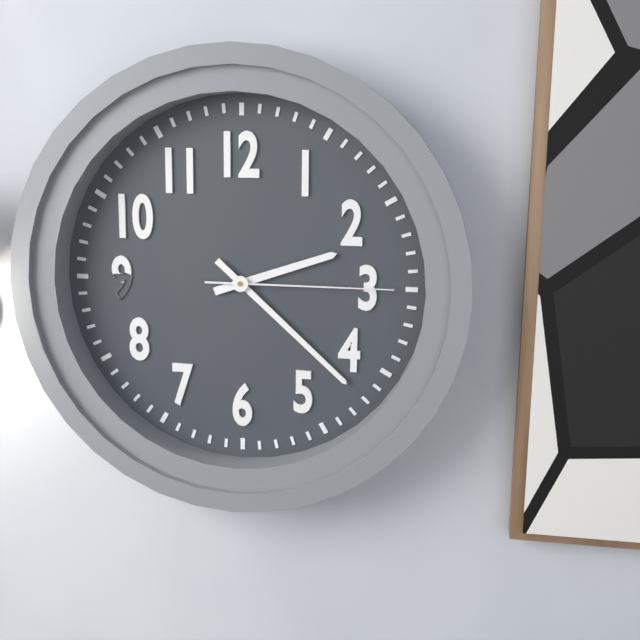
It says 2:22:15
